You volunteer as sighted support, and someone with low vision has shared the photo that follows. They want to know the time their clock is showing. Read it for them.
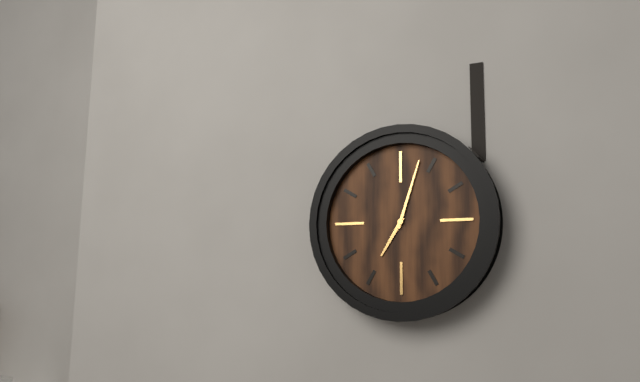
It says 7:03
